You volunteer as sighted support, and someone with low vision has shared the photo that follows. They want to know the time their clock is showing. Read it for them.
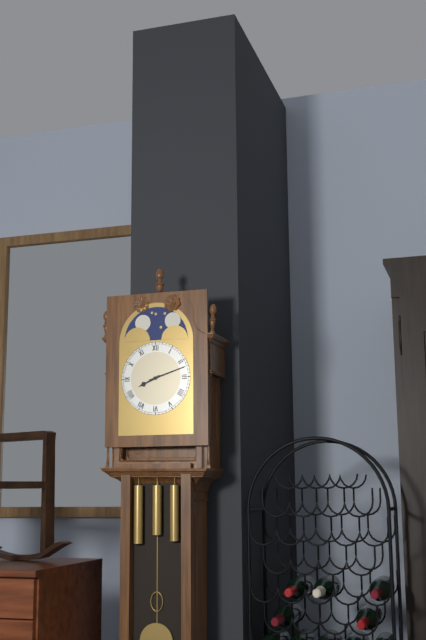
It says 8:12
